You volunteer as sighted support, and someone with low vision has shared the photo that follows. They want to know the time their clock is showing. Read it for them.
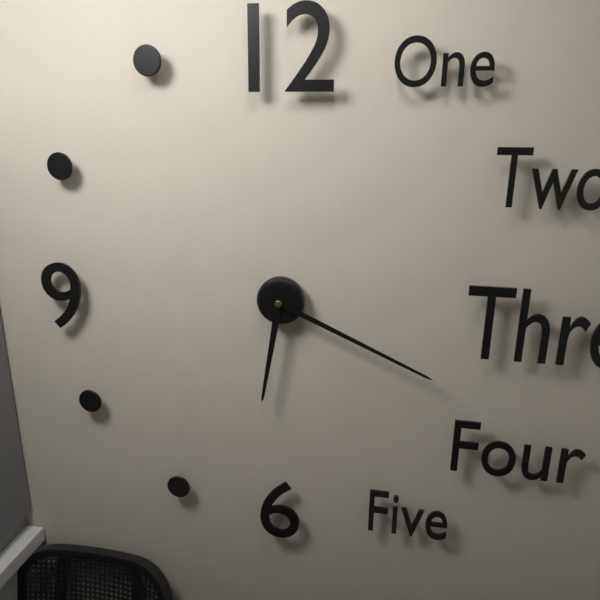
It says 6:19
